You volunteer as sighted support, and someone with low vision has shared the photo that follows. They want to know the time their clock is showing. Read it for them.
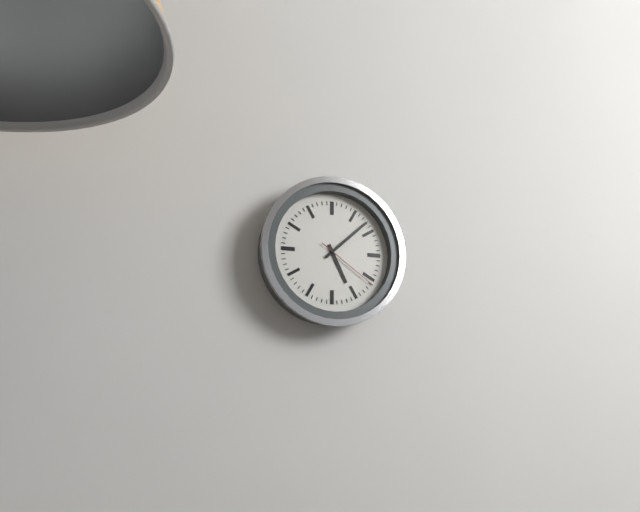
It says 5:08:21
